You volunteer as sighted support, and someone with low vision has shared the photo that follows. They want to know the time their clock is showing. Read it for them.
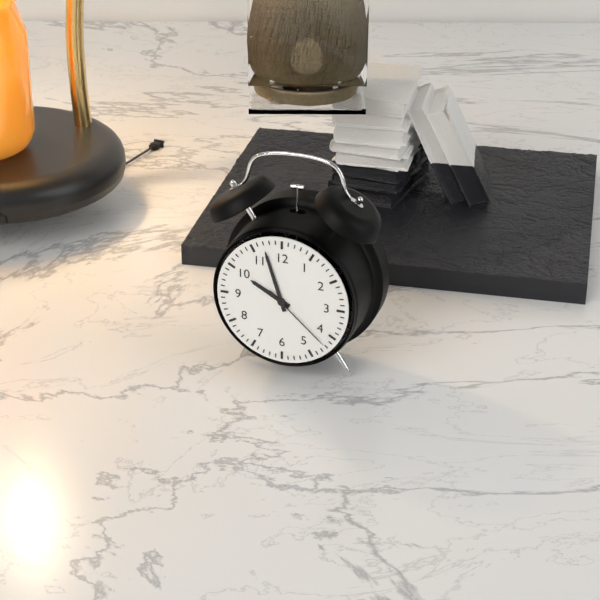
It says 9:57:22
